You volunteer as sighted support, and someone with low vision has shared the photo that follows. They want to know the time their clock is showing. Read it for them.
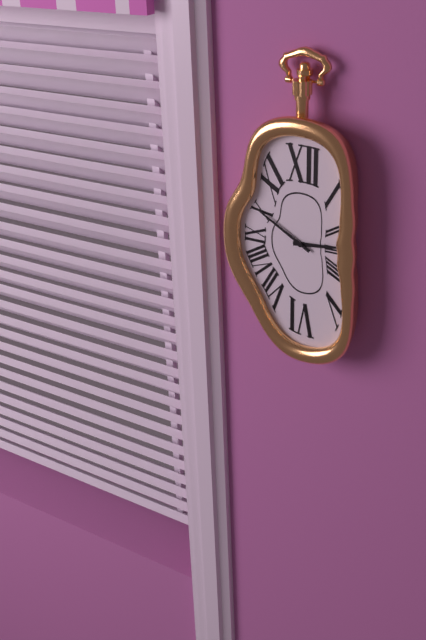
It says 2:50
